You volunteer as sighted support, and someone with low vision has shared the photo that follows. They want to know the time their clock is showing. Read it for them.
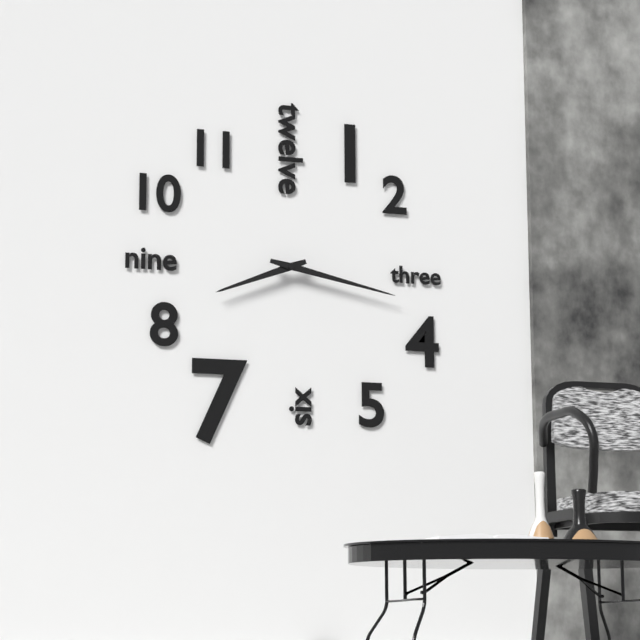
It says 8:17
